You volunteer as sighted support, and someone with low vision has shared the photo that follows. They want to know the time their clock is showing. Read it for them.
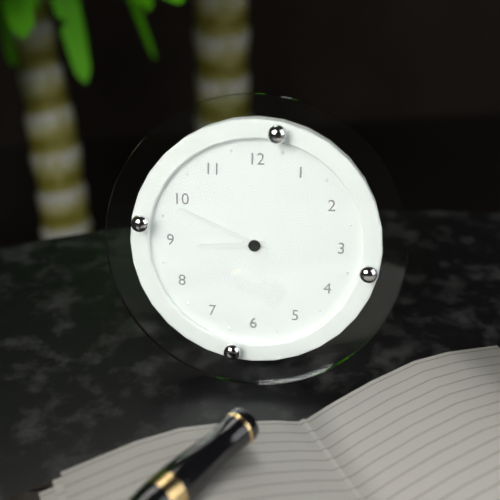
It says 8:49
